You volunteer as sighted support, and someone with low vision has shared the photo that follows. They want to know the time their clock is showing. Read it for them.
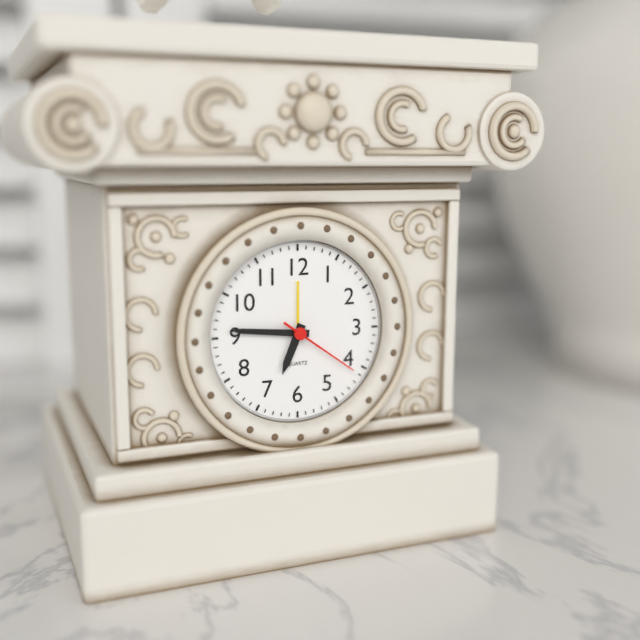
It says 6:46:21
